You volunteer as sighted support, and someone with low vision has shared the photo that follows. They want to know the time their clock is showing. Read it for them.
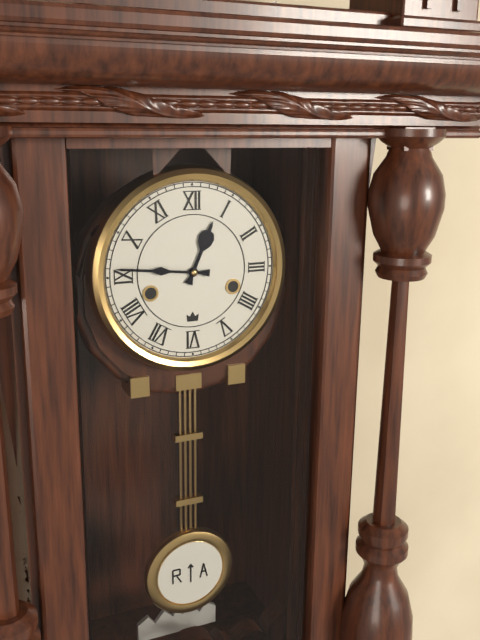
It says 12:46
